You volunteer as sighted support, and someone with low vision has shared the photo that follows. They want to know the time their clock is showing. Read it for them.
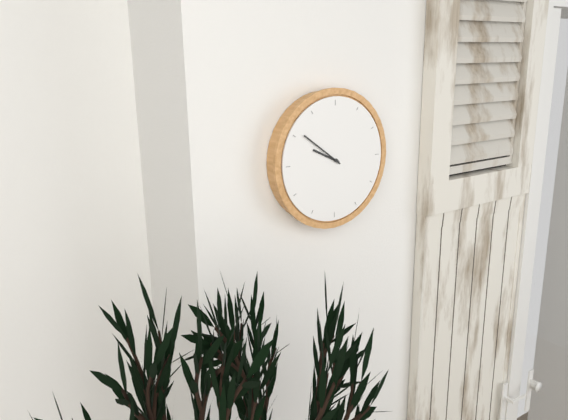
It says 9:51
